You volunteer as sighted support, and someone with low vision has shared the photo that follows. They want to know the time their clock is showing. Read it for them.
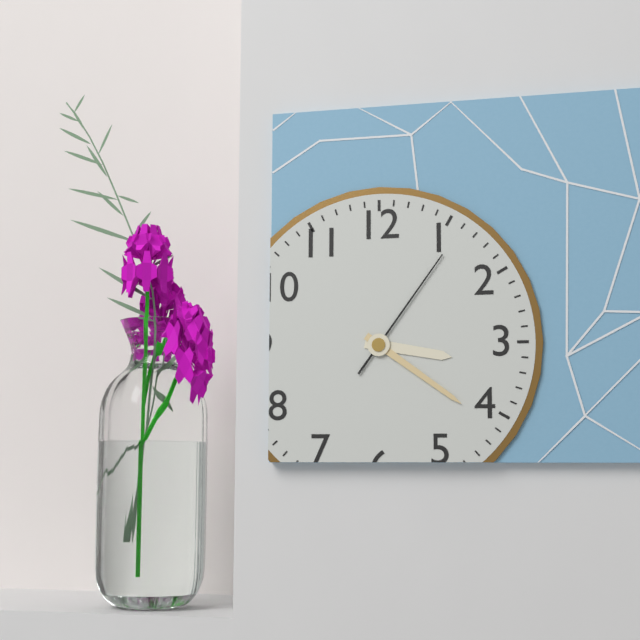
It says 3:21:06
